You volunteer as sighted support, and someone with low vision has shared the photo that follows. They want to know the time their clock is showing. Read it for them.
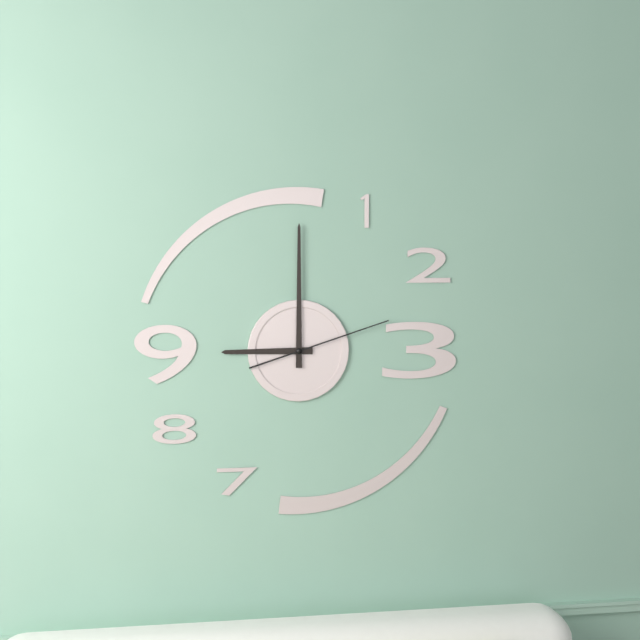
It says 9:00:12
